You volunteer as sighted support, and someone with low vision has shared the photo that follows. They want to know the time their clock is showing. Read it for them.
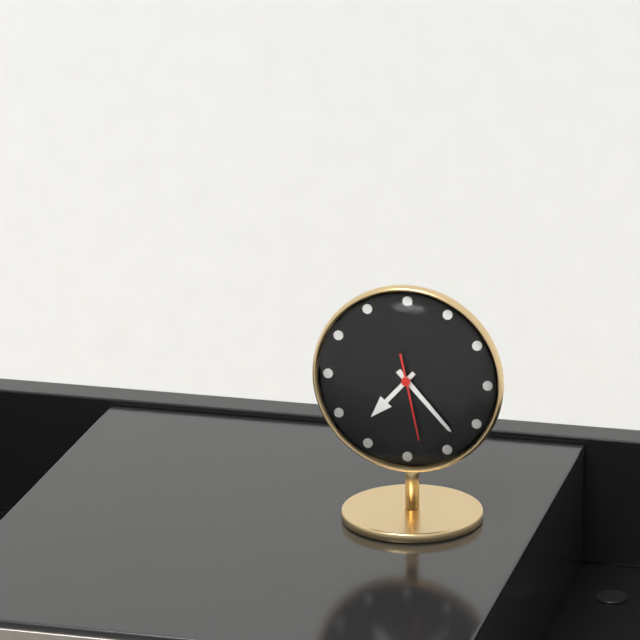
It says 7:23:28
